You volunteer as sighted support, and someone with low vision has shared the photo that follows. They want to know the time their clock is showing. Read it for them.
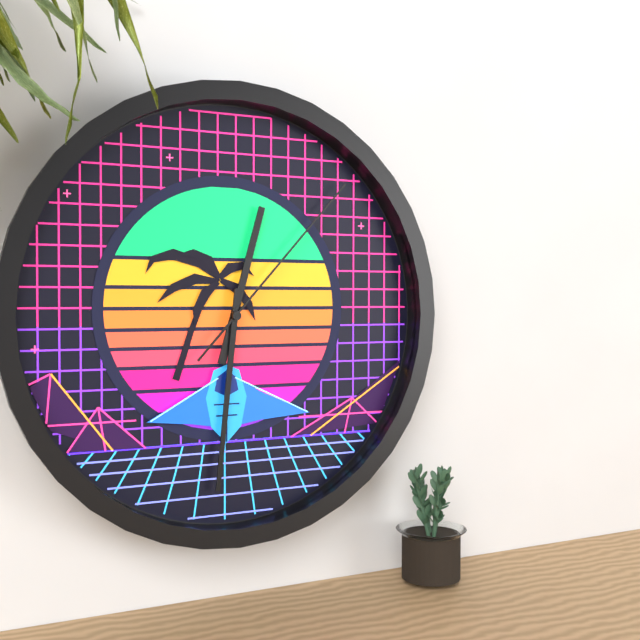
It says 12:31:07
